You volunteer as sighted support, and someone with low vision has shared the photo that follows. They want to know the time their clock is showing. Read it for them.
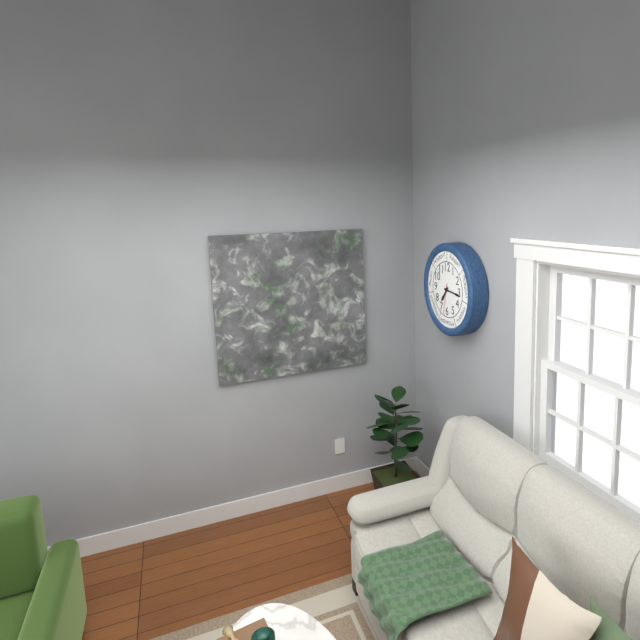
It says 7:16
